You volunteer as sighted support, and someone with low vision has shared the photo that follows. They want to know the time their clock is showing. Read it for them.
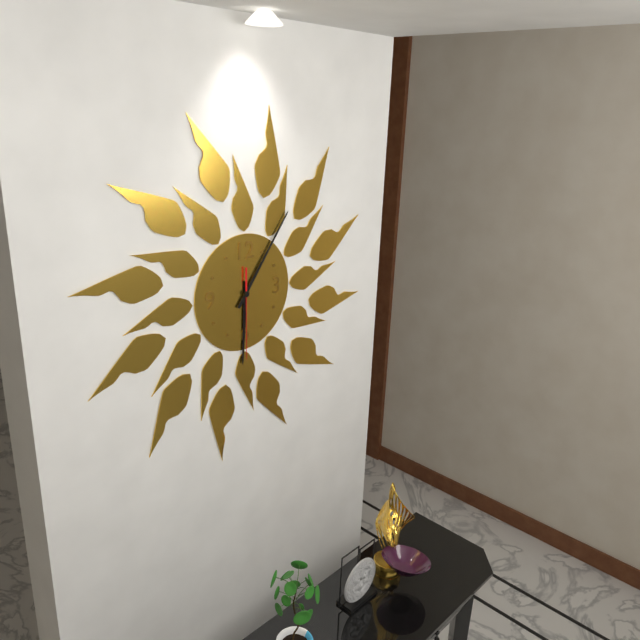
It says 6:06:30
